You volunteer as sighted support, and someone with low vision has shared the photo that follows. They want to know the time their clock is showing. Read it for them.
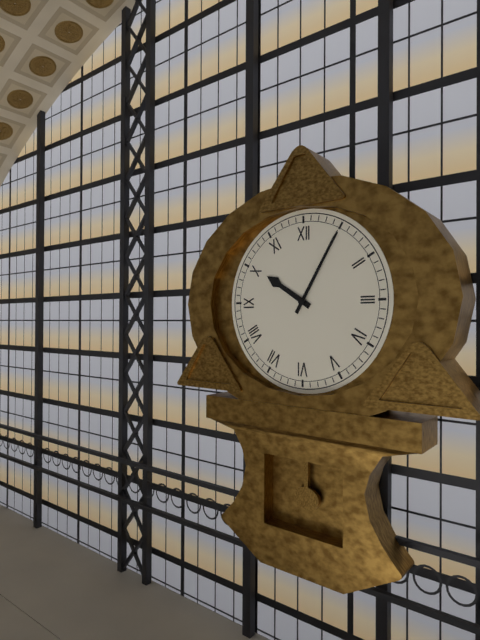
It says 10:05
